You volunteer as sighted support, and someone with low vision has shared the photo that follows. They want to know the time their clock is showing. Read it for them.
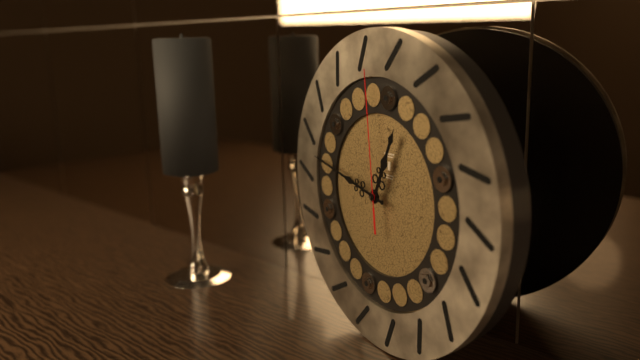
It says 12:47:59
